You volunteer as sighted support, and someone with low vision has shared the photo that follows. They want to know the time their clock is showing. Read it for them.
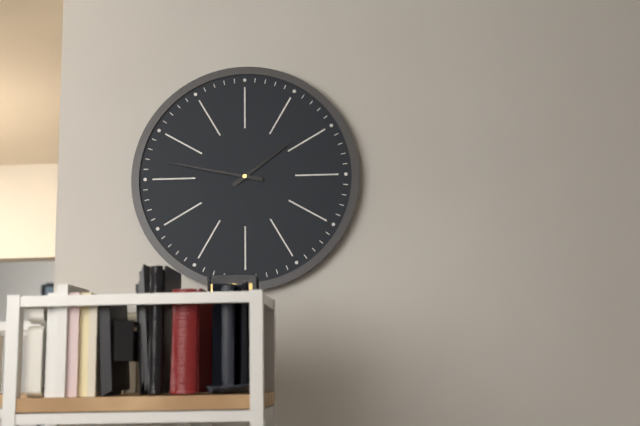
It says 1:47
